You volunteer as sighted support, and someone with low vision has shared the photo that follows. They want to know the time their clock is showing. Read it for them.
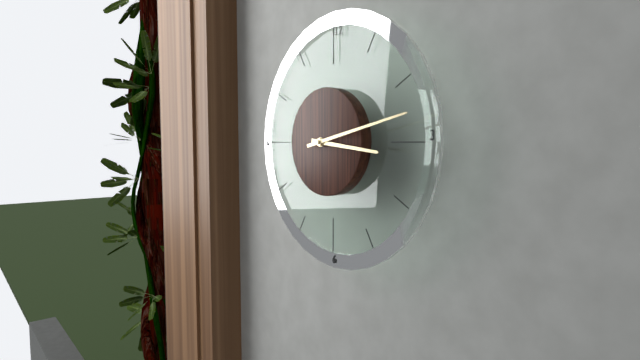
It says 3:13
